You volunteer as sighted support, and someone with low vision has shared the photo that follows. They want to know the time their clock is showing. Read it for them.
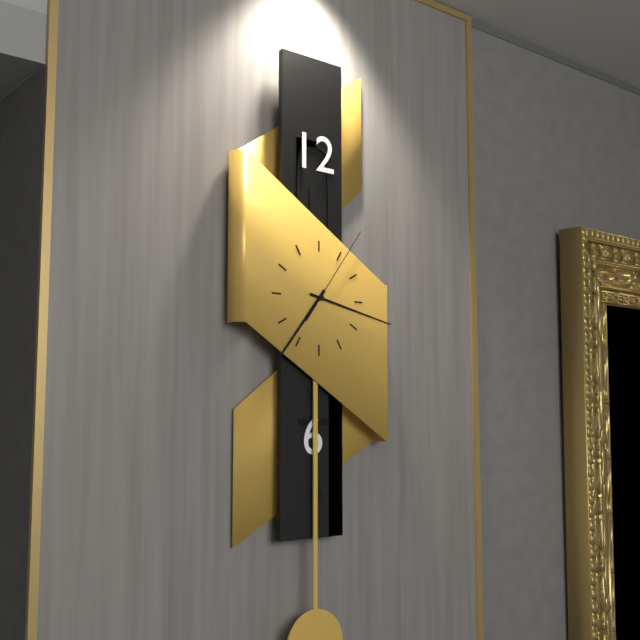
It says 7:17:06
